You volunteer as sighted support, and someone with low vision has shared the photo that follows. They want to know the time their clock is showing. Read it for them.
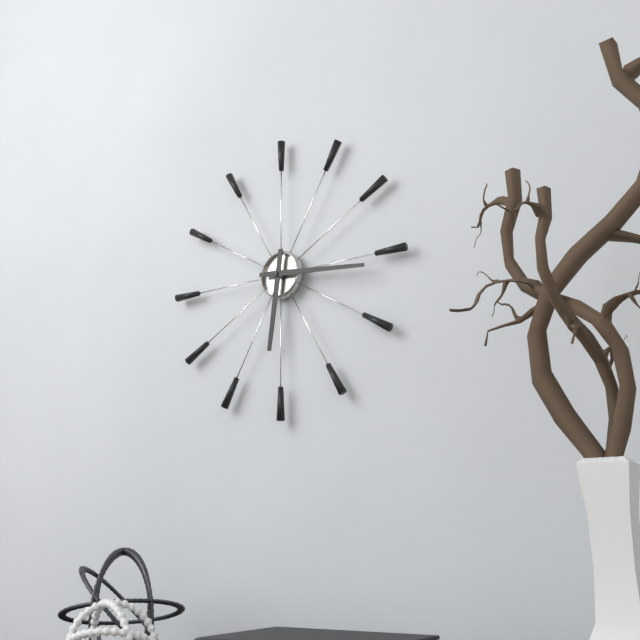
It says 6:16
